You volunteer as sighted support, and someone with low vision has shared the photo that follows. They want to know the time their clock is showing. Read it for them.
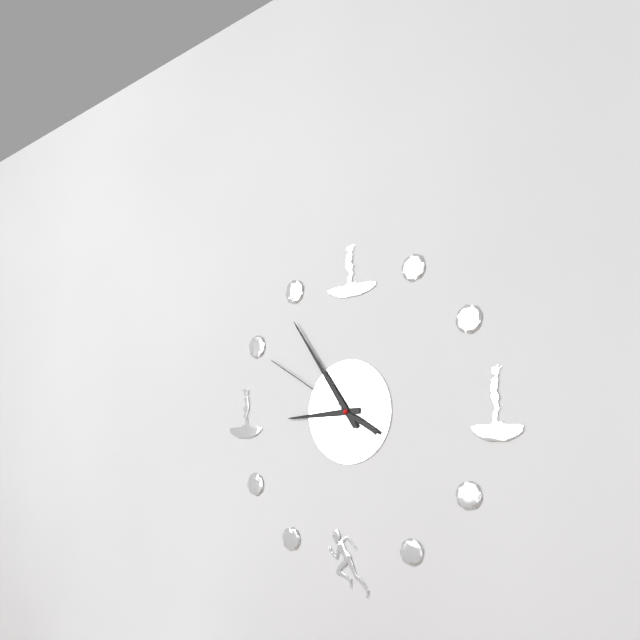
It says 8:54:50
